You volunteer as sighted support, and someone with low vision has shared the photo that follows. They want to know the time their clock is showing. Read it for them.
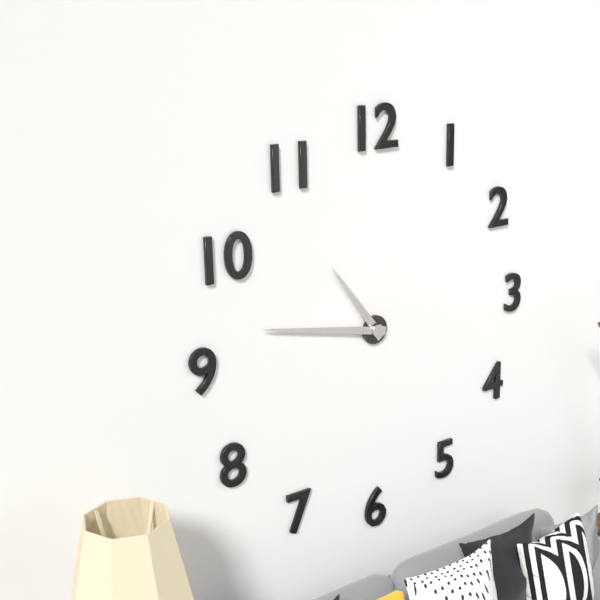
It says 10:47
